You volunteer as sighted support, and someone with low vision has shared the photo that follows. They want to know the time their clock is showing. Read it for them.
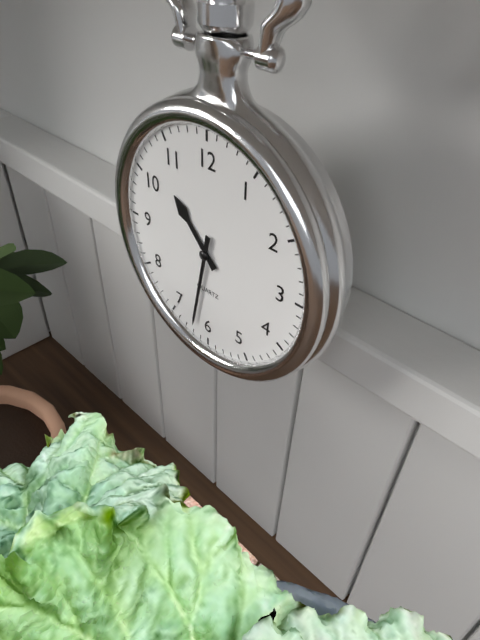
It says 10:32
